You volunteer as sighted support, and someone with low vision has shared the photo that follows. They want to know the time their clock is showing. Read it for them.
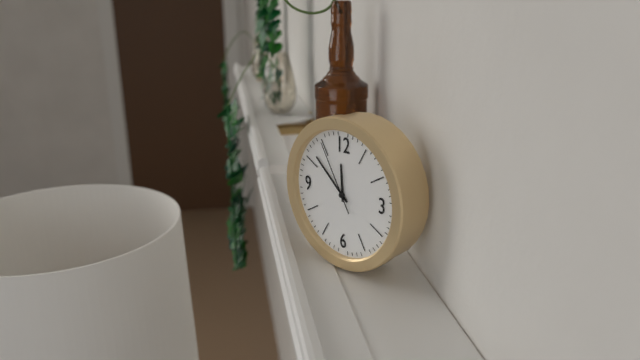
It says 11:52:55
